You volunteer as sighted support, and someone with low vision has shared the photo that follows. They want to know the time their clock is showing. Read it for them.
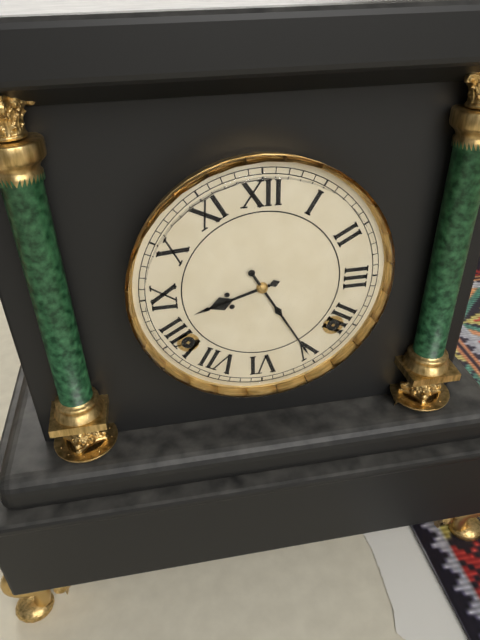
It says 8:25
